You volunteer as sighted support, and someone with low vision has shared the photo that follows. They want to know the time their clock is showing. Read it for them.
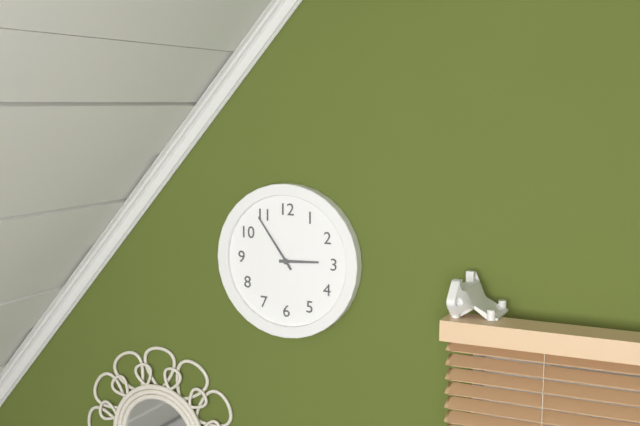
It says 2:54
